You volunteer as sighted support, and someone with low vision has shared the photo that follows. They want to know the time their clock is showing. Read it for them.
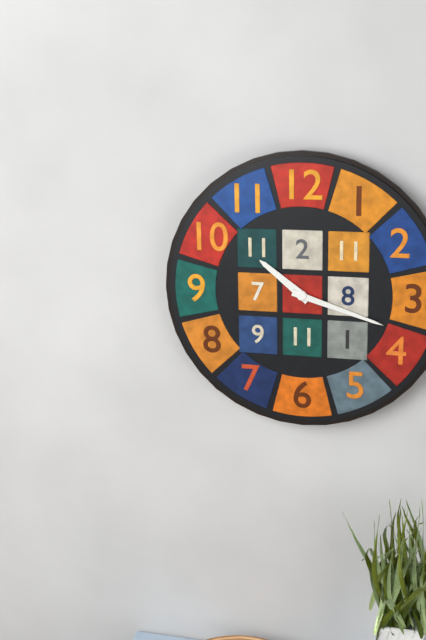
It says 10:18
